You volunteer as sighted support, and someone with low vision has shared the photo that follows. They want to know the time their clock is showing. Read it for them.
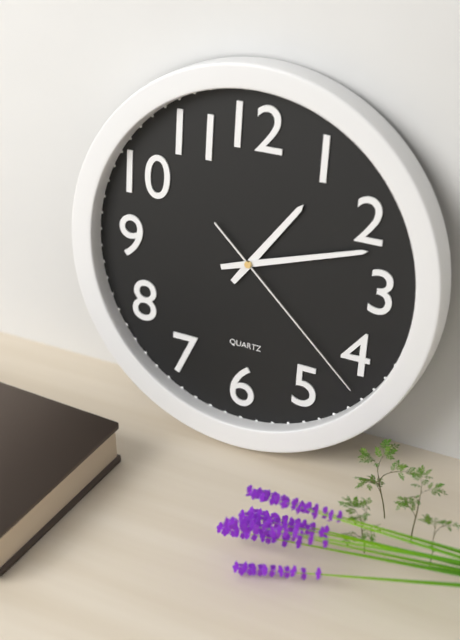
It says 1:12:22
